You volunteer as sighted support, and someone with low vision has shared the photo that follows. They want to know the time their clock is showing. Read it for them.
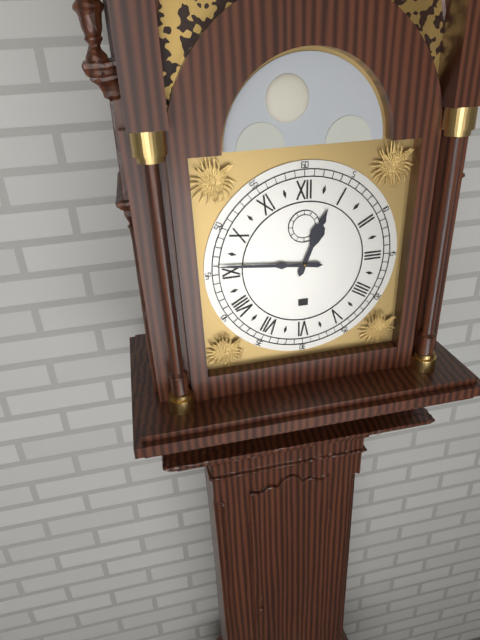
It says 12:46
